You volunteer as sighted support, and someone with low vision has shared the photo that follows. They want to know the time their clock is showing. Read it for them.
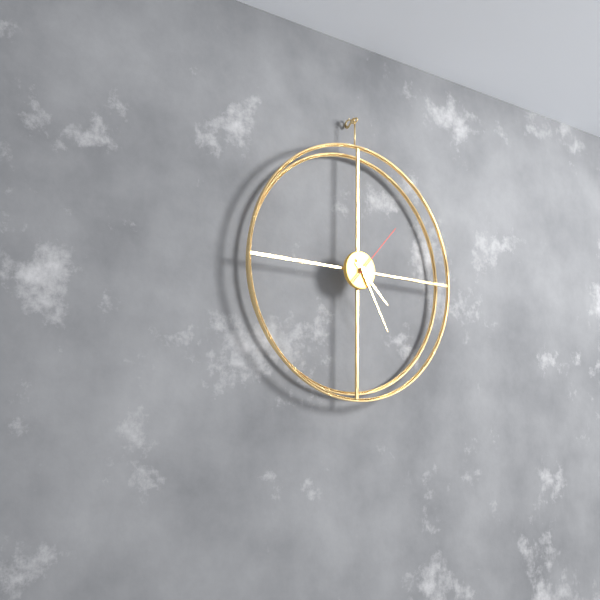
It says 4:25:07
